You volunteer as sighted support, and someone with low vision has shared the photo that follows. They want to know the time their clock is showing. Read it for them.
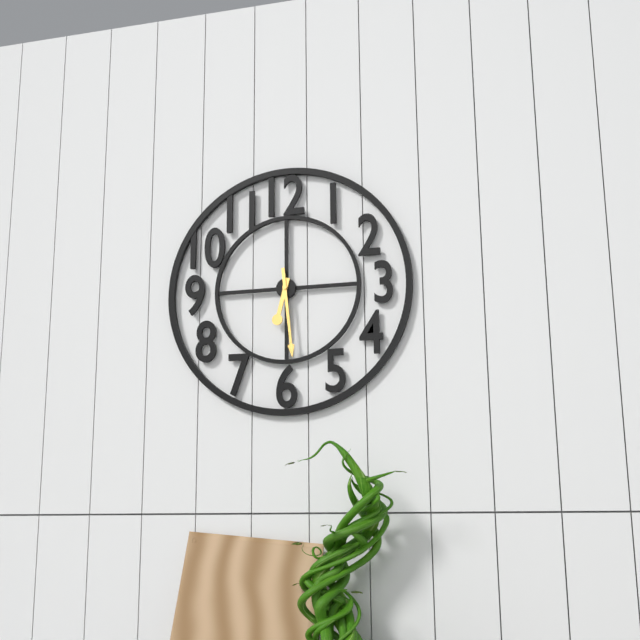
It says 6:29
